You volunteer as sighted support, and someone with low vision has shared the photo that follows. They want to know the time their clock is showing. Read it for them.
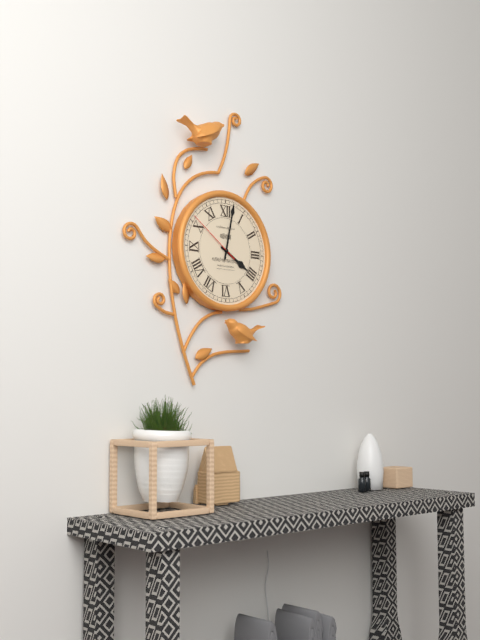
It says 4:02:51
